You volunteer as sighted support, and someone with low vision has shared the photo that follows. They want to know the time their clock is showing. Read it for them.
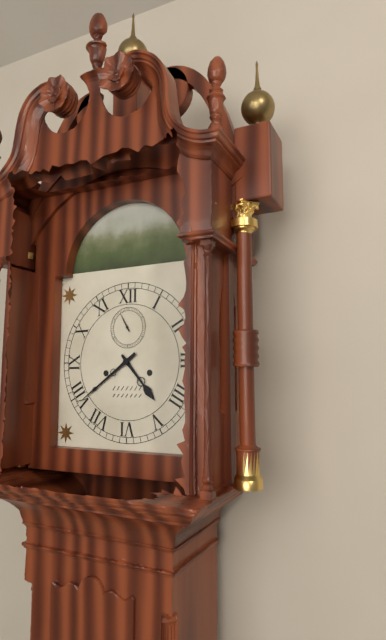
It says 4:39
